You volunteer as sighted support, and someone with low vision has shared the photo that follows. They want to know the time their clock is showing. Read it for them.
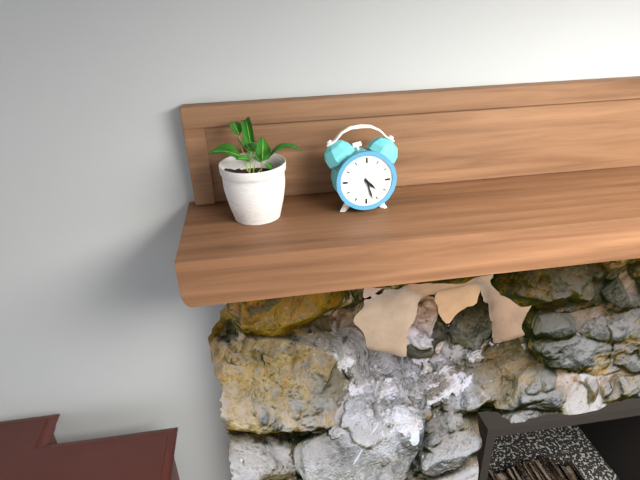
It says 4:27
